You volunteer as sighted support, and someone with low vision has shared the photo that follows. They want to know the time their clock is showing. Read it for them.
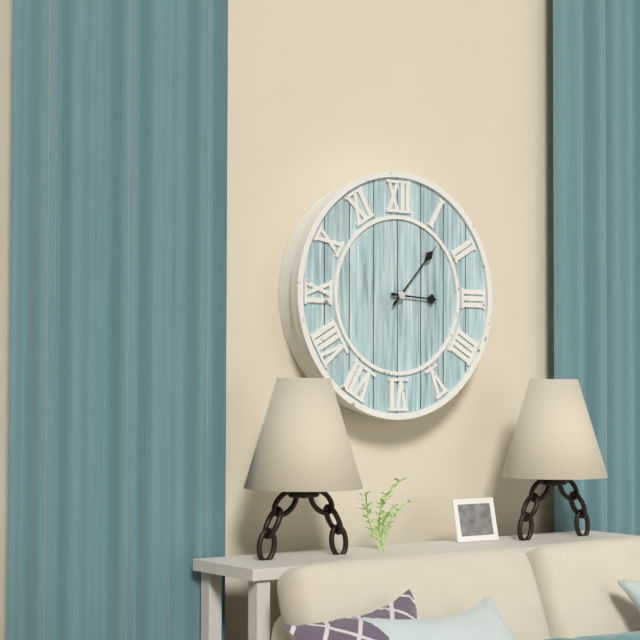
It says 3:07
